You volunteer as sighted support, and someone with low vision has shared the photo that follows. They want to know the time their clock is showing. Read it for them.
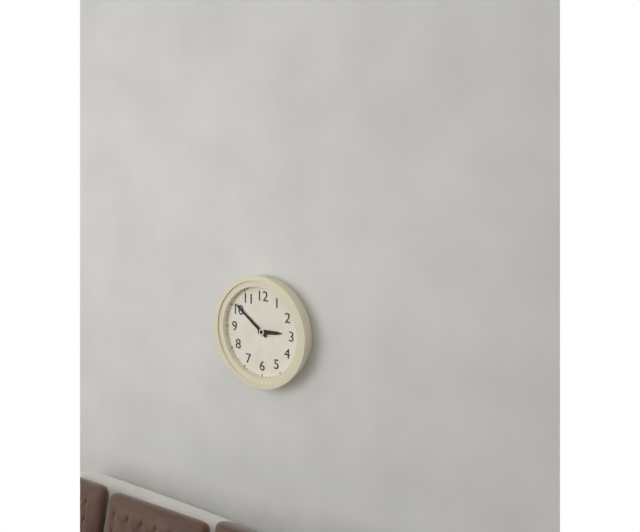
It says 2:51
